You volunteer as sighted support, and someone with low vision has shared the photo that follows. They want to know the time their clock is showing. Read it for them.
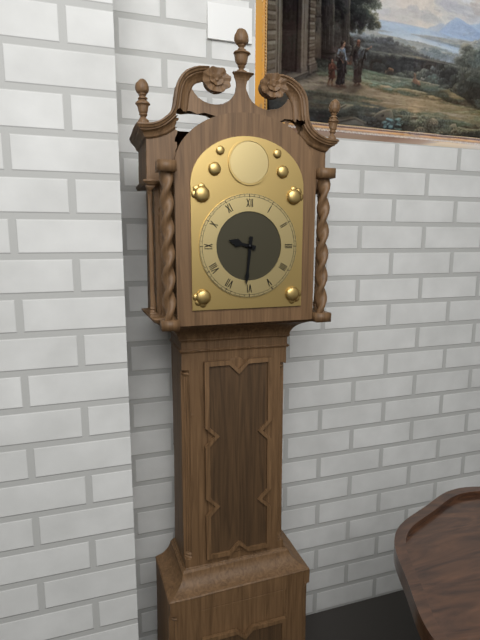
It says 9:31
